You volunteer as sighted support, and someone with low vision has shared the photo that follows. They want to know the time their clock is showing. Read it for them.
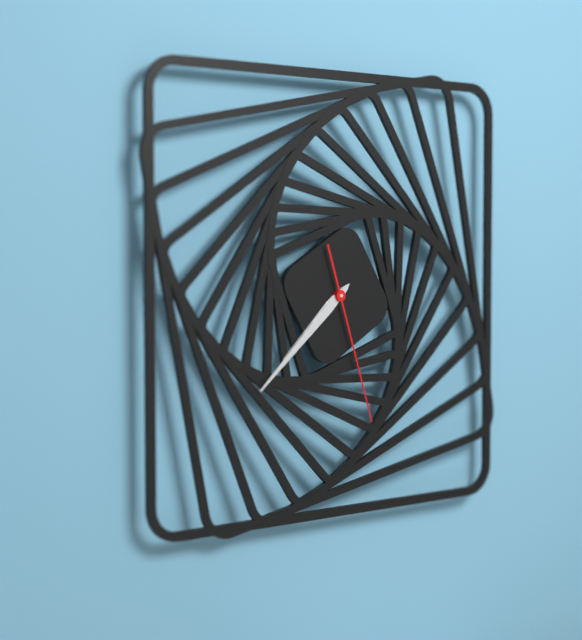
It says 7:38:27
